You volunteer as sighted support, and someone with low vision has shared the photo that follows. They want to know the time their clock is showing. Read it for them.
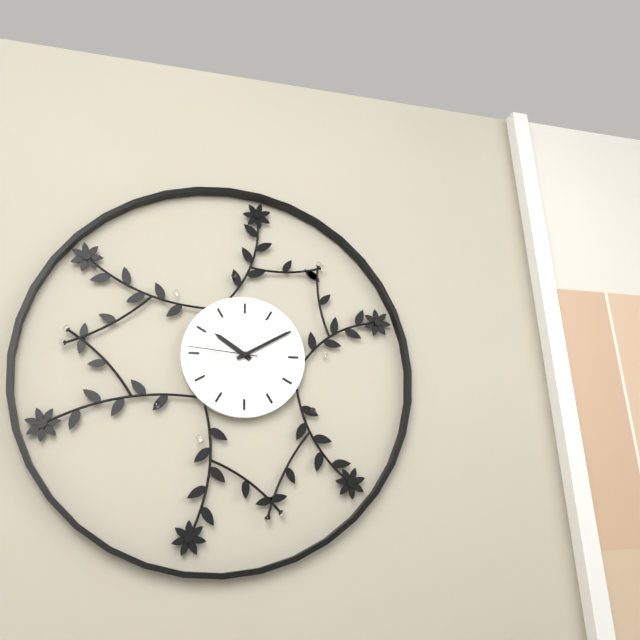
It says 10:10:46
